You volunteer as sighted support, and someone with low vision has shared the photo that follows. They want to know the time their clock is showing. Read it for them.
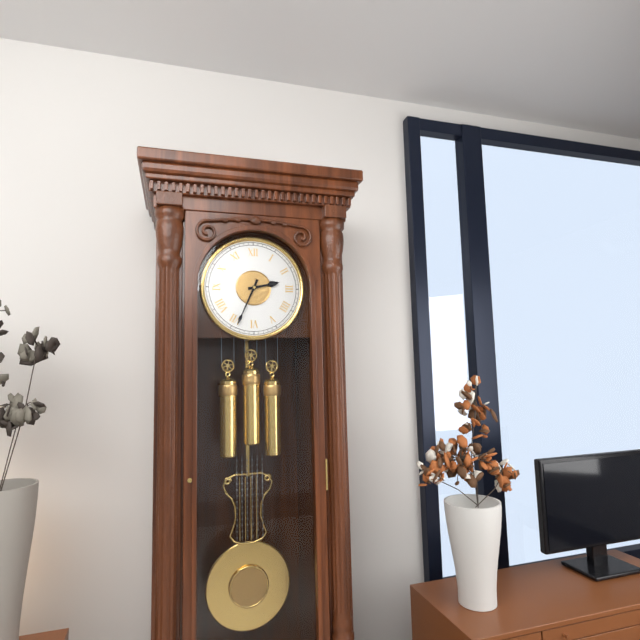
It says 2:34
